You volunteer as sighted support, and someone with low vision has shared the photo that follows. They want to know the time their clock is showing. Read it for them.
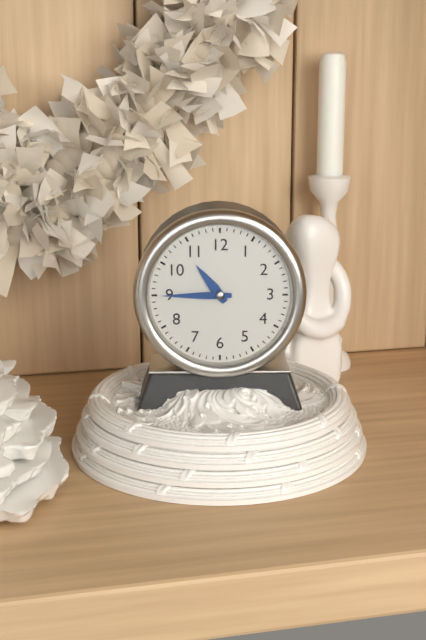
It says 10:45
